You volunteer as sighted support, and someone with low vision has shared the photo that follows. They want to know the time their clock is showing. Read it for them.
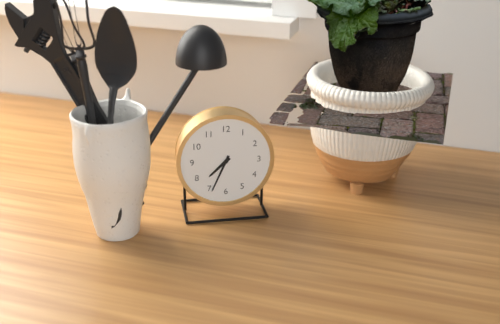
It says 7:34
